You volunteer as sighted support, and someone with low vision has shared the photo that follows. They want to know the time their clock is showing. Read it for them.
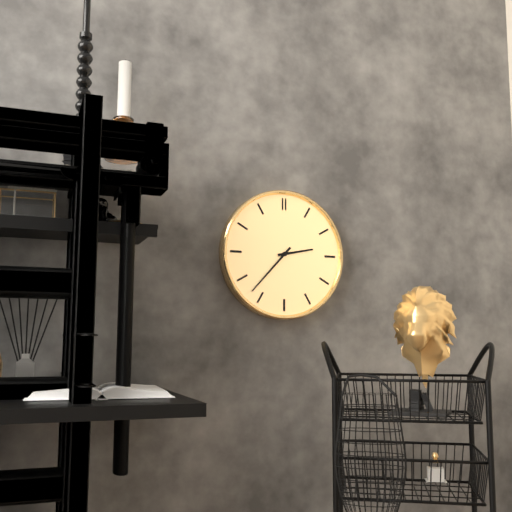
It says 2:37
